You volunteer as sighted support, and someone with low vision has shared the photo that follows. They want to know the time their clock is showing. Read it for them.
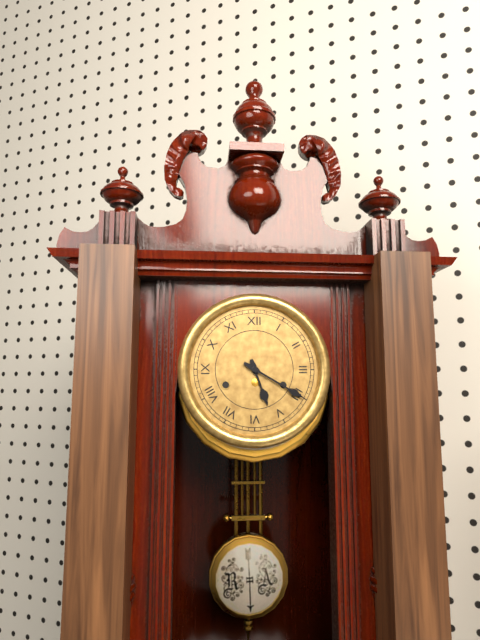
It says 5:20
